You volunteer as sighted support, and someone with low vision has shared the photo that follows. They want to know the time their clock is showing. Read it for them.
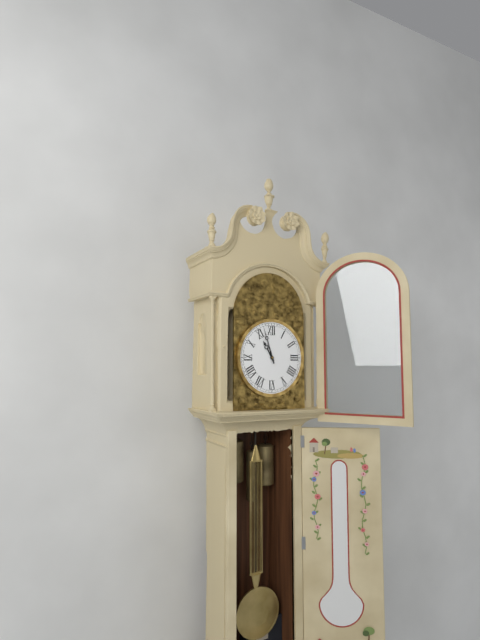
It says 10:57
